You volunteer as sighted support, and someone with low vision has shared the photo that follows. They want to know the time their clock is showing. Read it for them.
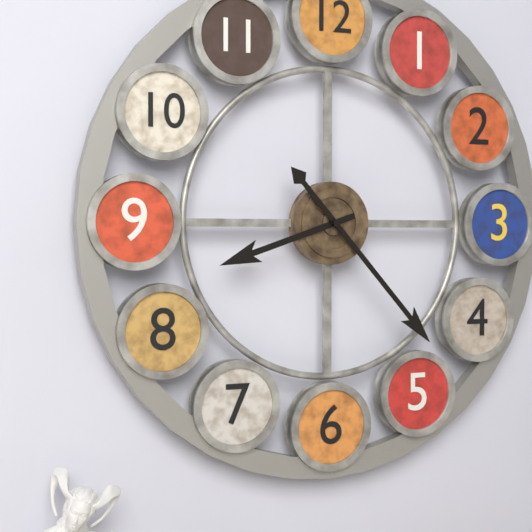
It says 8:23
